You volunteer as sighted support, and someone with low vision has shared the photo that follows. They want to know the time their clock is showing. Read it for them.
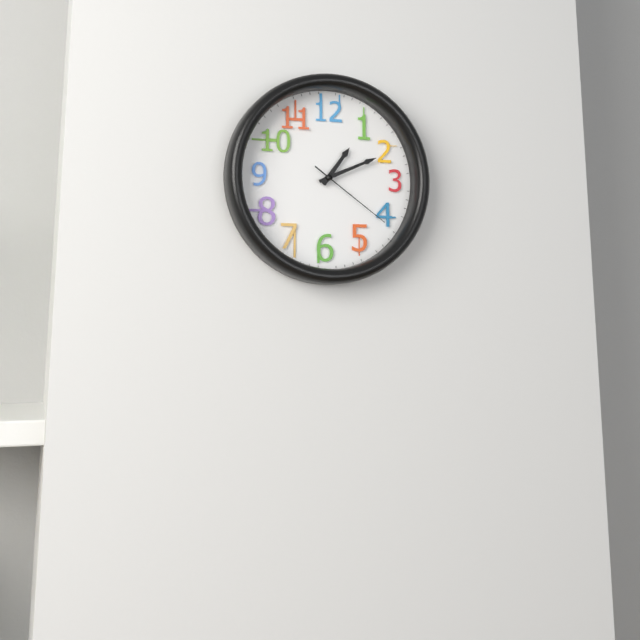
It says 1:11:21
